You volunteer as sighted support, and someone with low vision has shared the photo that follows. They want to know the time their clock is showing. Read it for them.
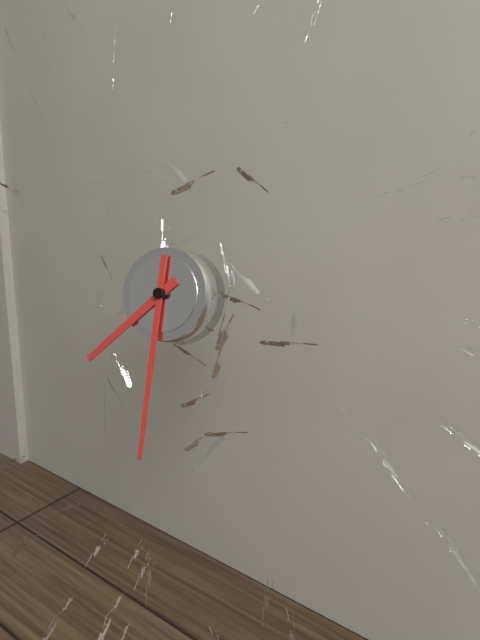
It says 7:30
